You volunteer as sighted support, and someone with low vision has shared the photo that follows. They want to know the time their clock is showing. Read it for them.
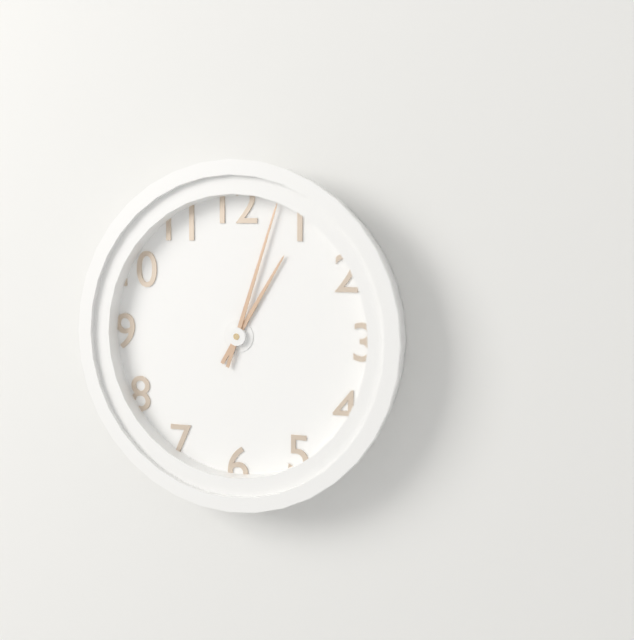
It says 1:03
